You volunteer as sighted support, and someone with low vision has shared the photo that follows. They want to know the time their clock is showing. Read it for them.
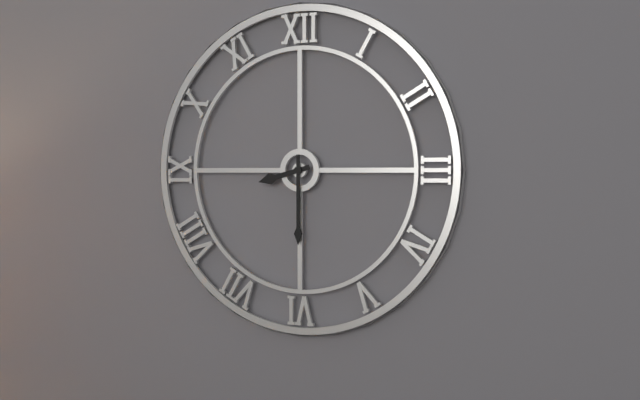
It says 8:30
